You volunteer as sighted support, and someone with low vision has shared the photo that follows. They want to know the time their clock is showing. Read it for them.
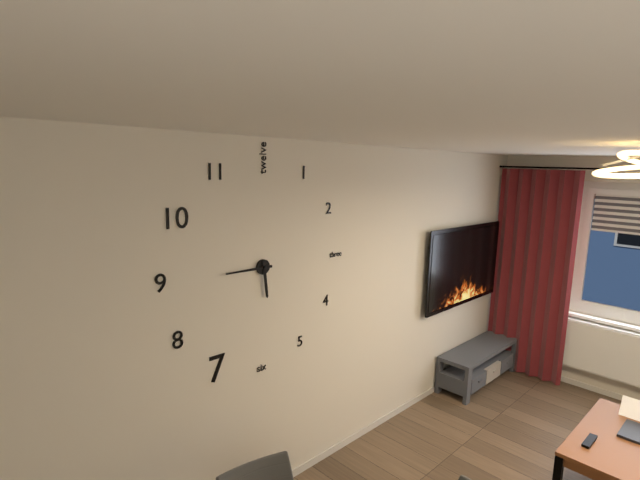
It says 5:45
